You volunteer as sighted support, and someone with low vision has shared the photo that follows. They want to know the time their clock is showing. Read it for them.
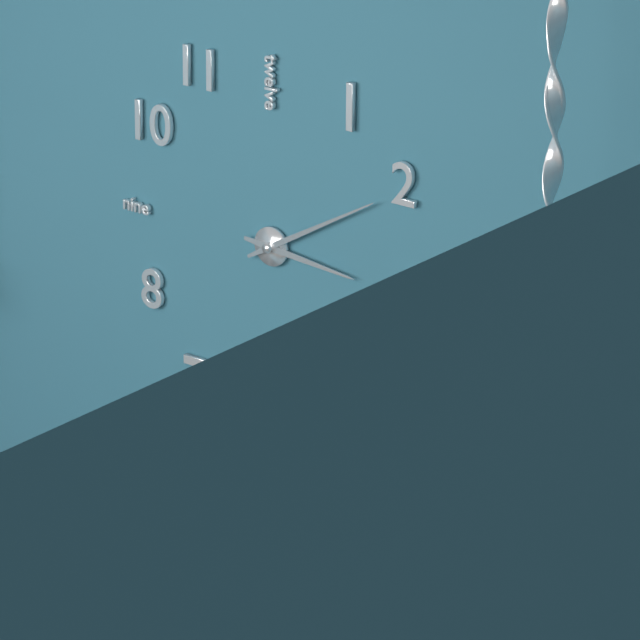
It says 3:10
